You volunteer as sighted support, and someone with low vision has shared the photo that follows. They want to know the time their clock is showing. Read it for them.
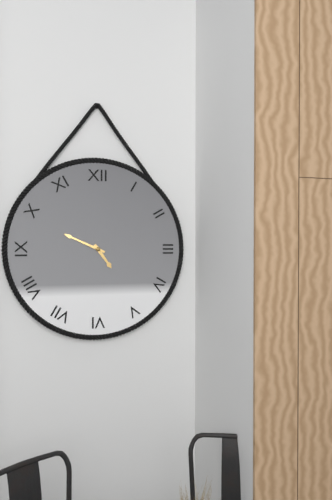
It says 4:49
